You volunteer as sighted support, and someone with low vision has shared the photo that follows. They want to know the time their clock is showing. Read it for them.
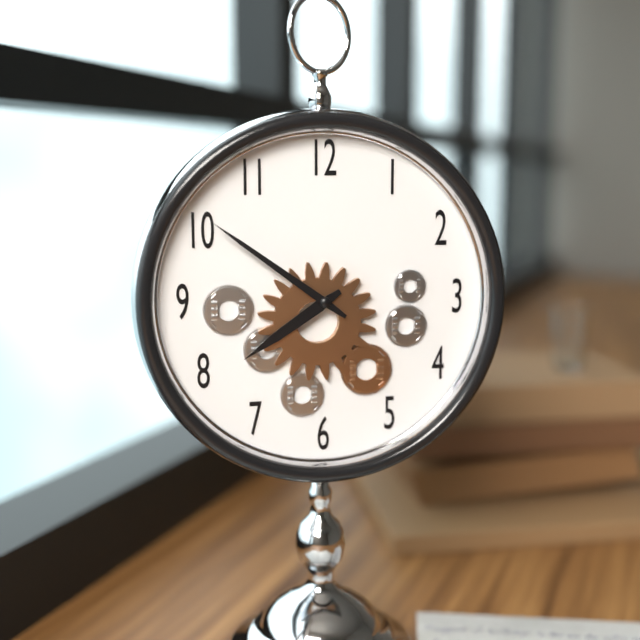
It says 7:51
